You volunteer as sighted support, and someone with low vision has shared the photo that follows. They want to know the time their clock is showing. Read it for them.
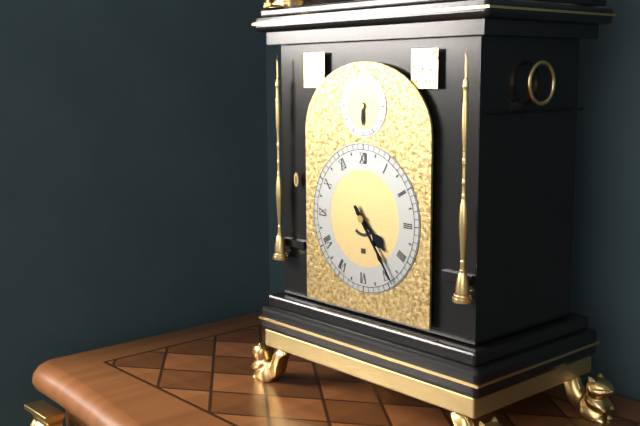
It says 4:24
